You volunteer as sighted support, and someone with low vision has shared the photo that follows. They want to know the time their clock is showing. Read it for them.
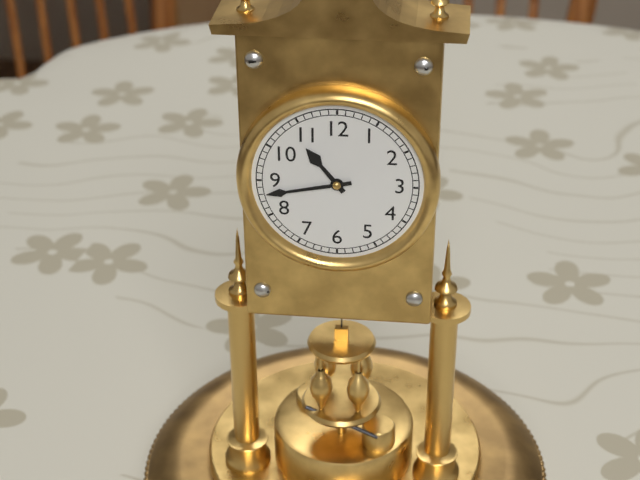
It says 10:43
